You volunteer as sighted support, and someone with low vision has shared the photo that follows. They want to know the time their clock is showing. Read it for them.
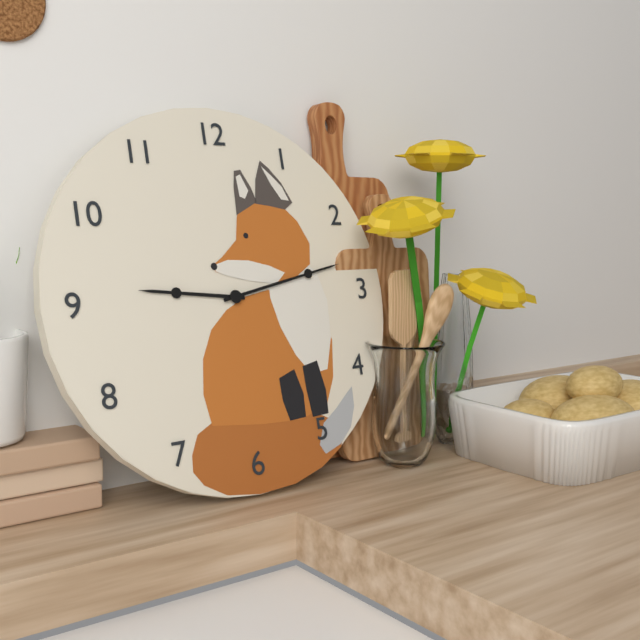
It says 9:13
